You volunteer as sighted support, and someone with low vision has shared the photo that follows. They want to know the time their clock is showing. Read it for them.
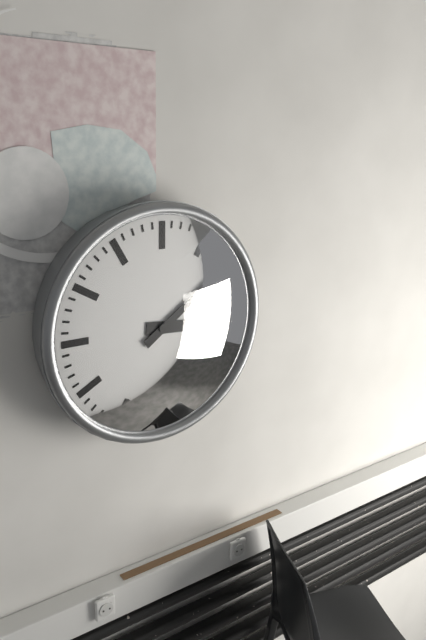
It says 3:09
